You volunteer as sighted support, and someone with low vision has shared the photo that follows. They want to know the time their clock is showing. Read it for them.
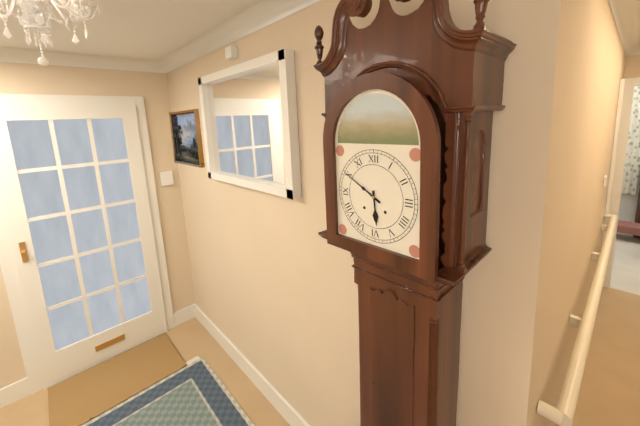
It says 5:50
